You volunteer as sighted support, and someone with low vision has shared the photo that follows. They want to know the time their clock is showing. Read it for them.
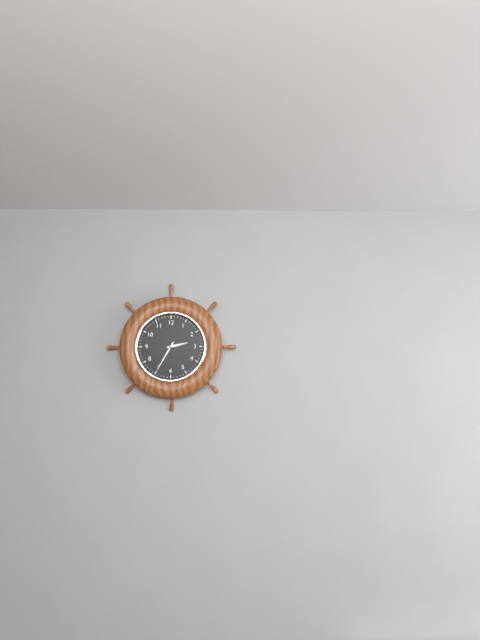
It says 2:35
